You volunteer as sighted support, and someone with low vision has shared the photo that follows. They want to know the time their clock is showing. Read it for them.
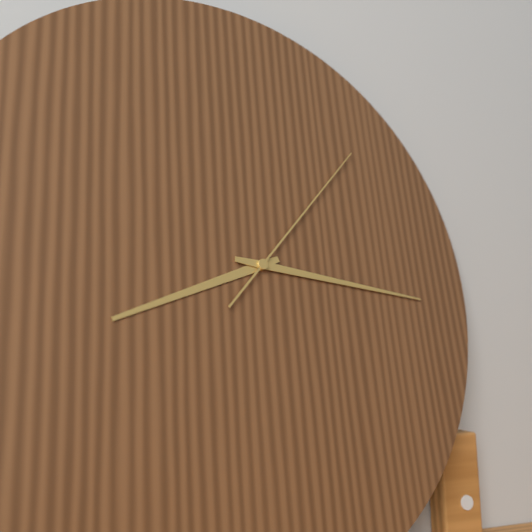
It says 8:16:07
